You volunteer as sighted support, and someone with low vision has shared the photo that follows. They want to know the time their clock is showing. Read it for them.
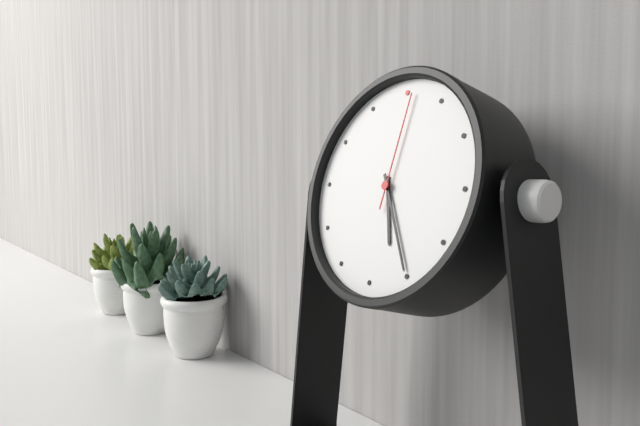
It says 5:25:01
